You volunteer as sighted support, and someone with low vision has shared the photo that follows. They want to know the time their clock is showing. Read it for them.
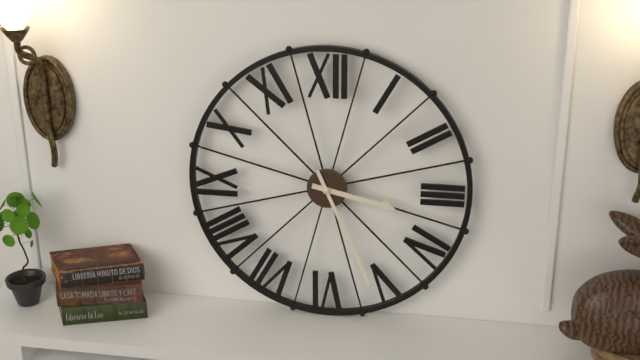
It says 3:26
